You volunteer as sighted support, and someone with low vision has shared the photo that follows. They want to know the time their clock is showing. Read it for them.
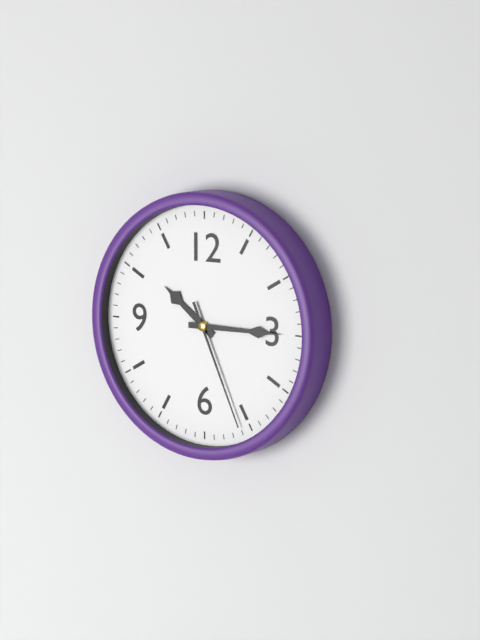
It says 10:15:26
